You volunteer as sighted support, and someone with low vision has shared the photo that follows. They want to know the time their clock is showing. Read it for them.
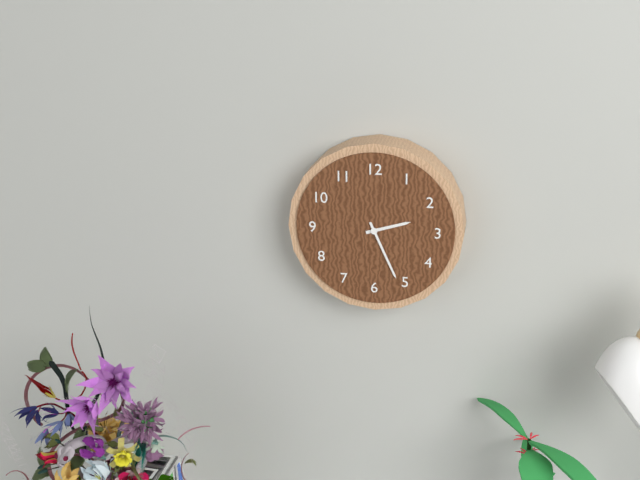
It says 2:26
